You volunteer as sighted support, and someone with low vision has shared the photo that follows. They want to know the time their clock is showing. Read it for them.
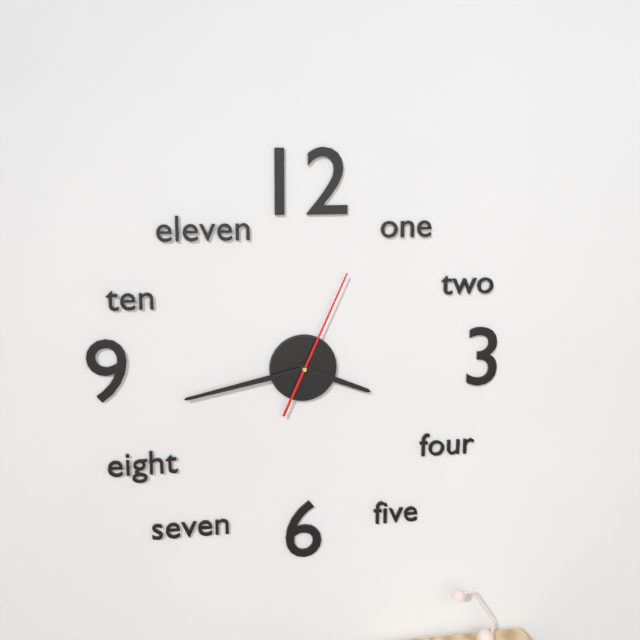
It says 3:43:04
